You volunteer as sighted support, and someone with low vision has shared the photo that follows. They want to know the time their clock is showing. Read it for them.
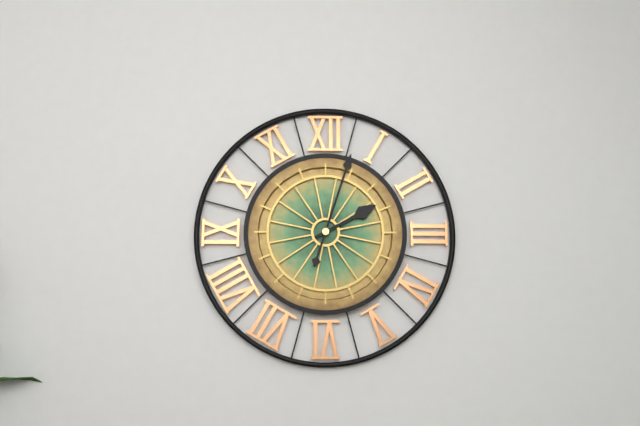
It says 2:03
